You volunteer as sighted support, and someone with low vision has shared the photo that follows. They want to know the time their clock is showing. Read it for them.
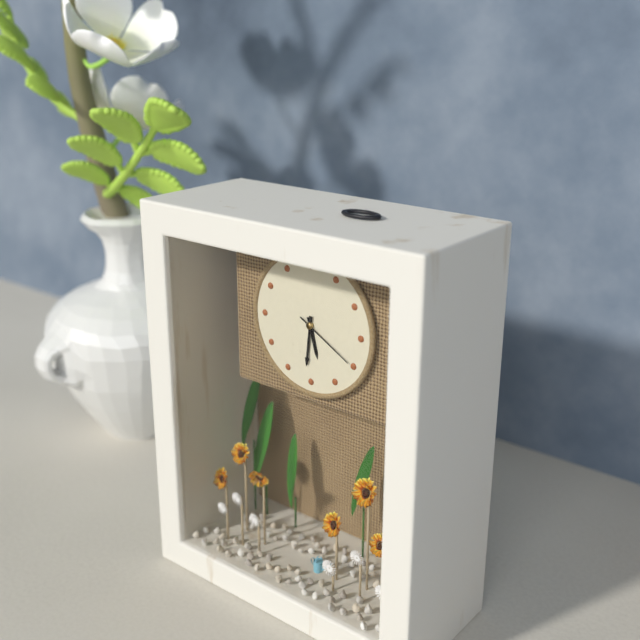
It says 5:31:20
